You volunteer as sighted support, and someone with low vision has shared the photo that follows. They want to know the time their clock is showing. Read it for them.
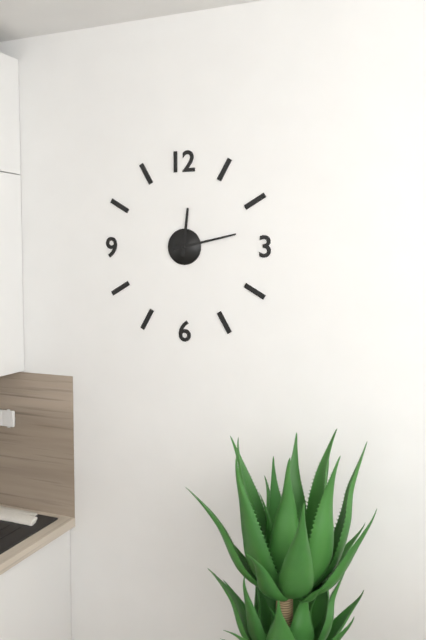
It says 12:13
